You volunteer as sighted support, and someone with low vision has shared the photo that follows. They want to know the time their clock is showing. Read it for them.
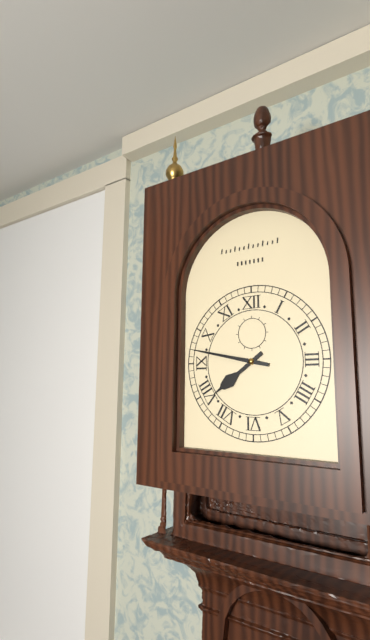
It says 7:47
